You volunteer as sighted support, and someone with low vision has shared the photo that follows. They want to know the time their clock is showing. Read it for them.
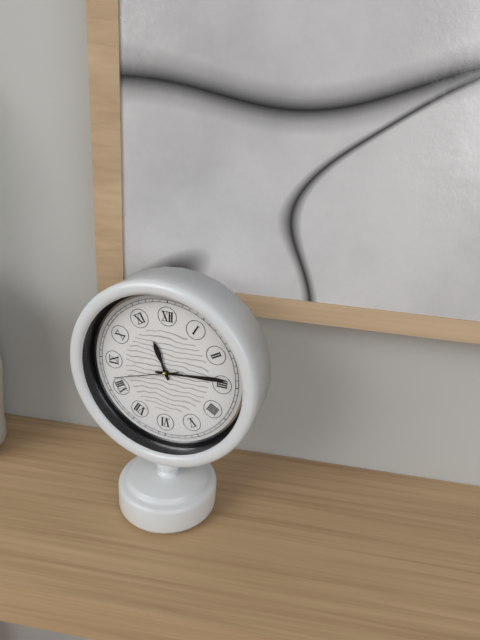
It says 11:14:42
